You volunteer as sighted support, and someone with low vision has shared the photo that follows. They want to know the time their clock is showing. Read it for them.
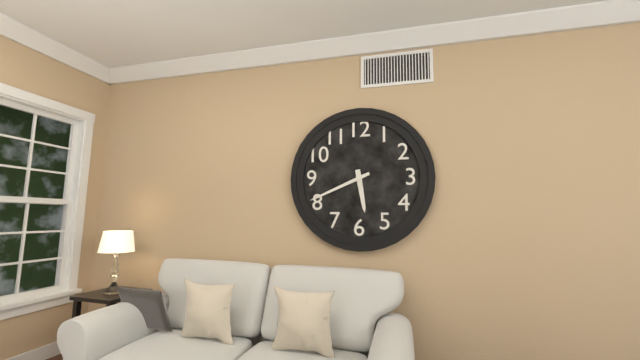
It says 5:41
